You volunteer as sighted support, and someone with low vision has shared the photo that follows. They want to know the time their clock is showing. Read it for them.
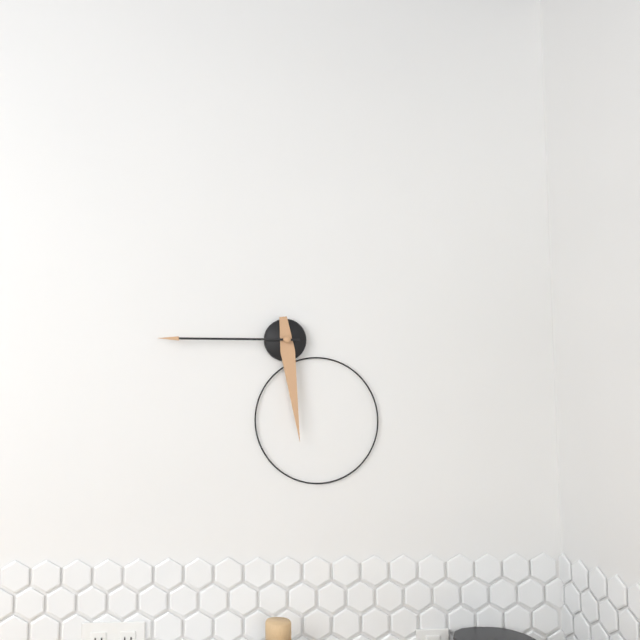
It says 5:45
